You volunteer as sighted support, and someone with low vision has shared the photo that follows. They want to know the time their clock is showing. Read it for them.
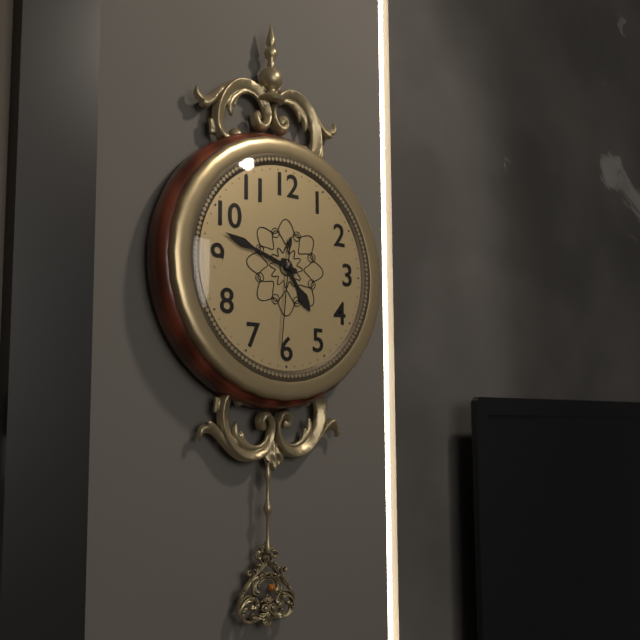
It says 4:48:31
